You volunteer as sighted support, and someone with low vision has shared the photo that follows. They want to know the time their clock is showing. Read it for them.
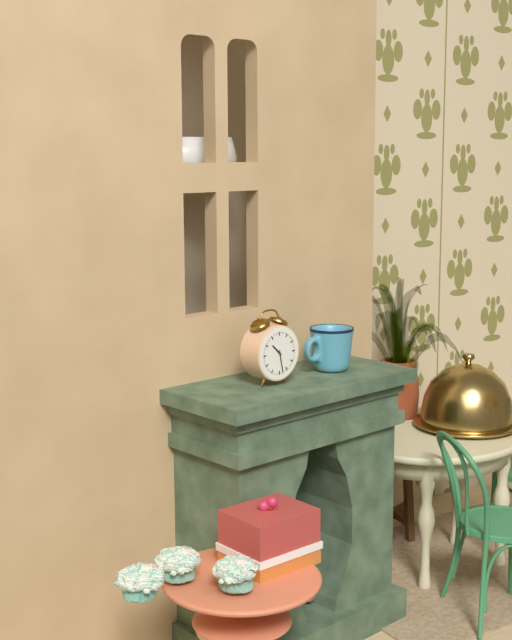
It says 10:28
